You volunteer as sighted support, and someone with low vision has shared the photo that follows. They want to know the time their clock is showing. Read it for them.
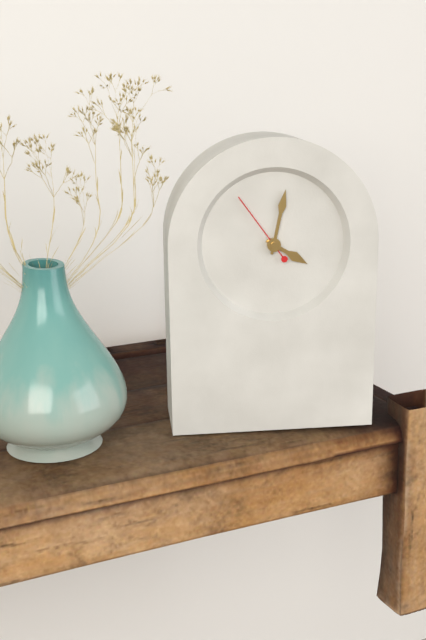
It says 4:02:54
